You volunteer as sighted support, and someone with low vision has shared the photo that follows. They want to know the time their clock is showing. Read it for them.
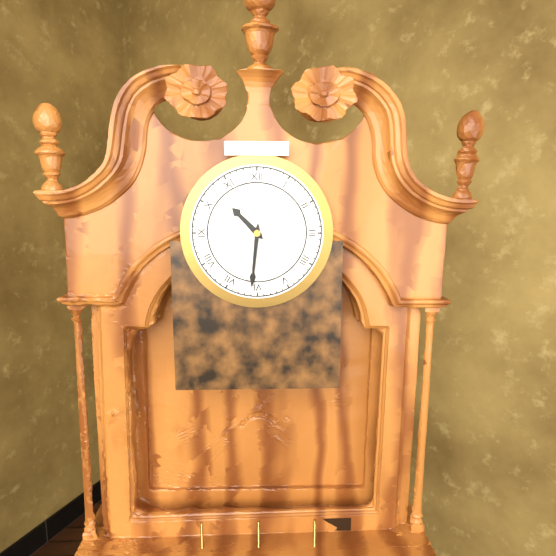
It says 10:31
